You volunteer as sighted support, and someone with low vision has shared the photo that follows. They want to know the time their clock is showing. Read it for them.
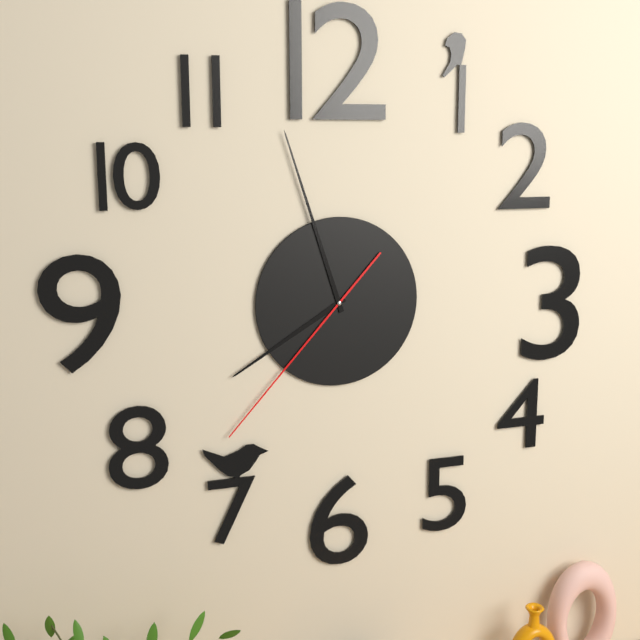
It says 7:57:37
